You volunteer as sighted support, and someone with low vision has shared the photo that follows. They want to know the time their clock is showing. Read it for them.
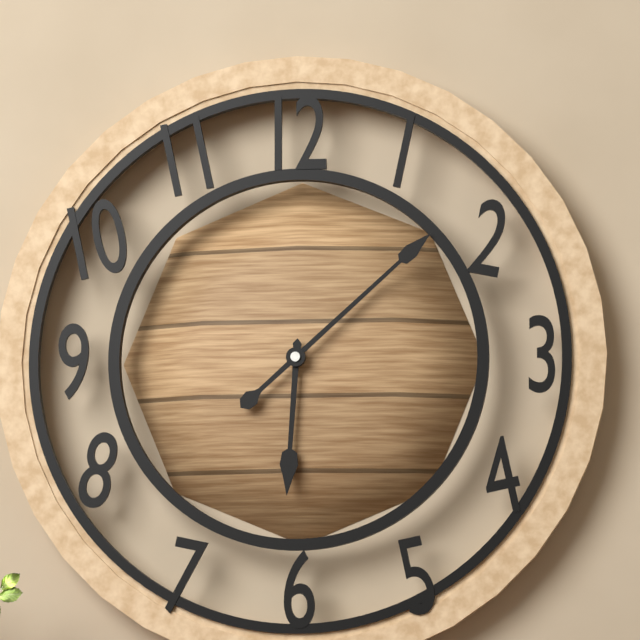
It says 6:08
